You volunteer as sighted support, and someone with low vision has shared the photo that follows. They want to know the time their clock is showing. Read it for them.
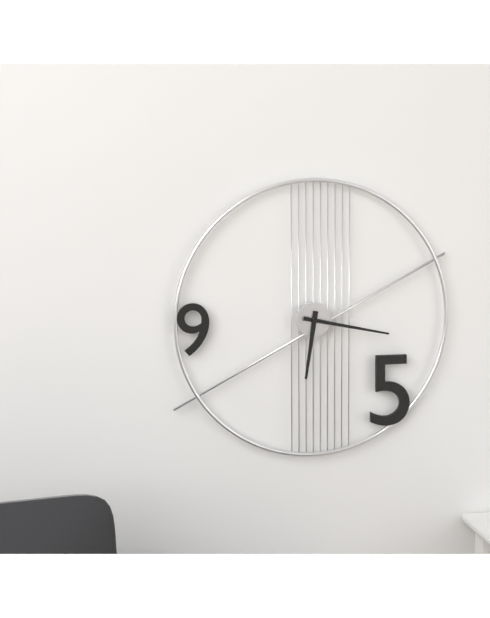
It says 6:17
